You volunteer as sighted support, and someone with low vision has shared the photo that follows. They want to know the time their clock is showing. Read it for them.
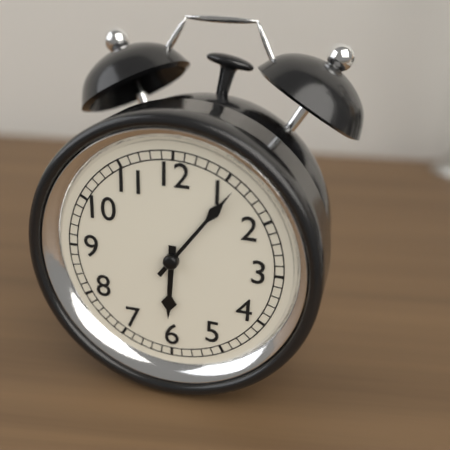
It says 6:06
